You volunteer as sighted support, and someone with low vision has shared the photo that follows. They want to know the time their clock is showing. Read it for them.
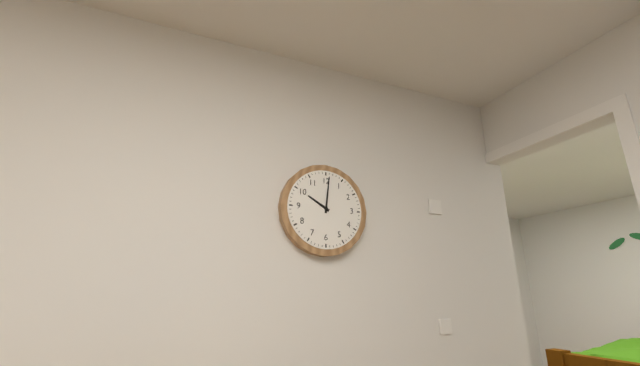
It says 10:01
